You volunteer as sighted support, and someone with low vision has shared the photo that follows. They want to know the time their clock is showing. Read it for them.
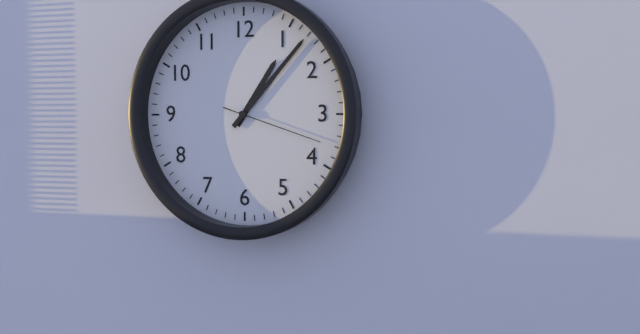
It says 1:07:18
